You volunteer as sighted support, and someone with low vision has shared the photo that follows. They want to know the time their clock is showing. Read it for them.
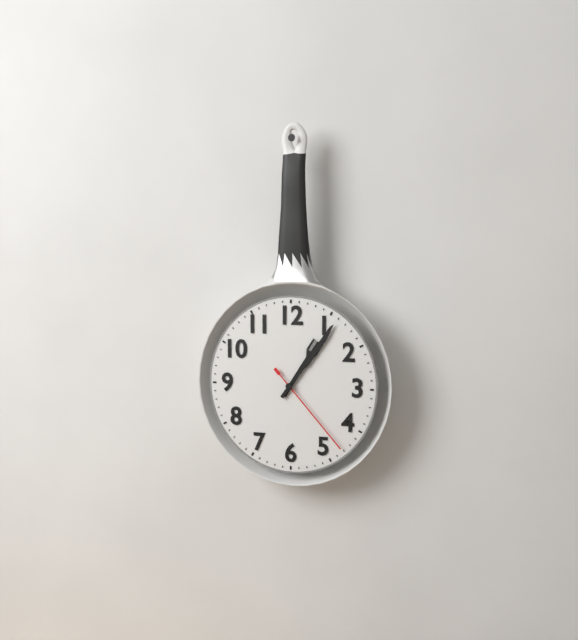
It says 1:06:23
